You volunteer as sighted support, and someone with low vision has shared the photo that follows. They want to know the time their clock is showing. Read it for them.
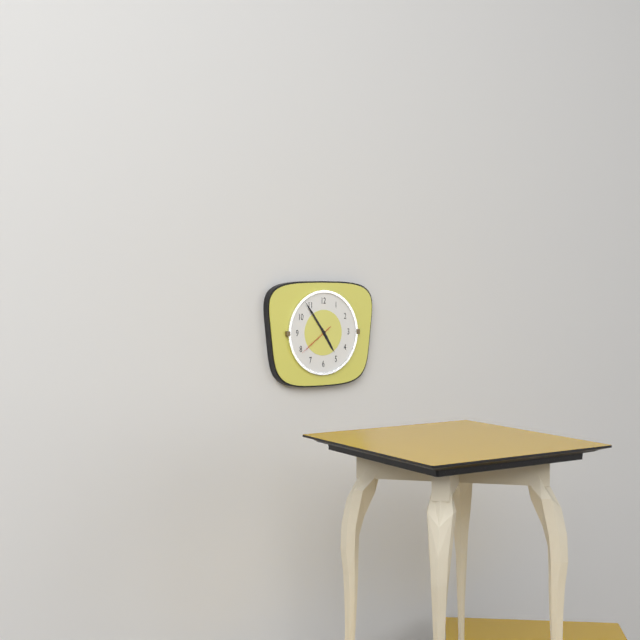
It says 4:54
